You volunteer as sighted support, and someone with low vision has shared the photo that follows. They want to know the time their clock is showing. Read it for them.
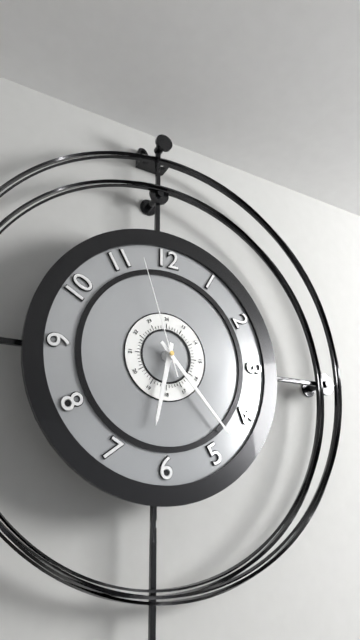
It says 6:23:57
